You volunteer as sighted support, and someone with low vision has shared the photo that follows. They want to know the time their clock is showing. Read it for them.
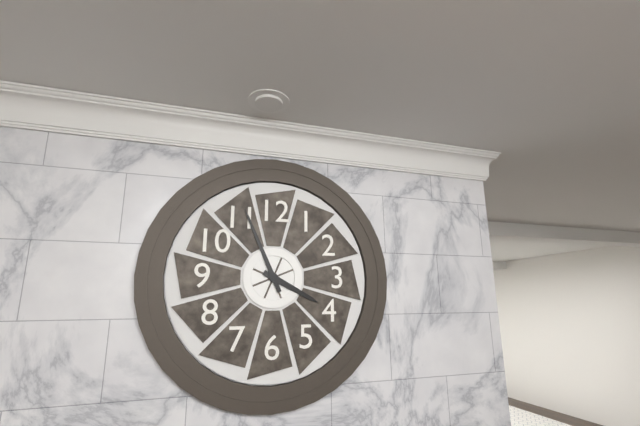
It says 3:56
